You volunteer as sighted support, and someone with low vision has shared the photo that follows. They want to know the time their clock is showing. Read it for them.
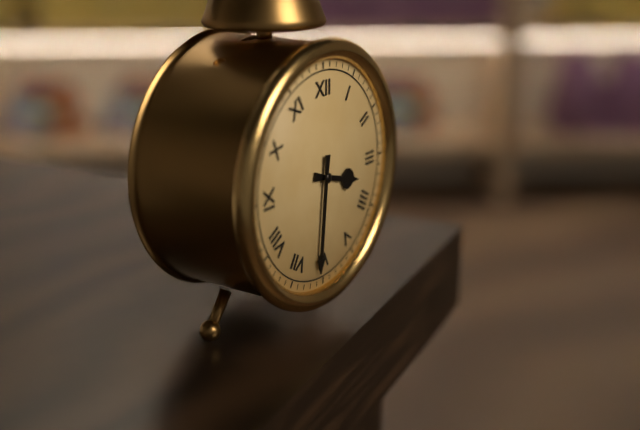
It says 3:31
